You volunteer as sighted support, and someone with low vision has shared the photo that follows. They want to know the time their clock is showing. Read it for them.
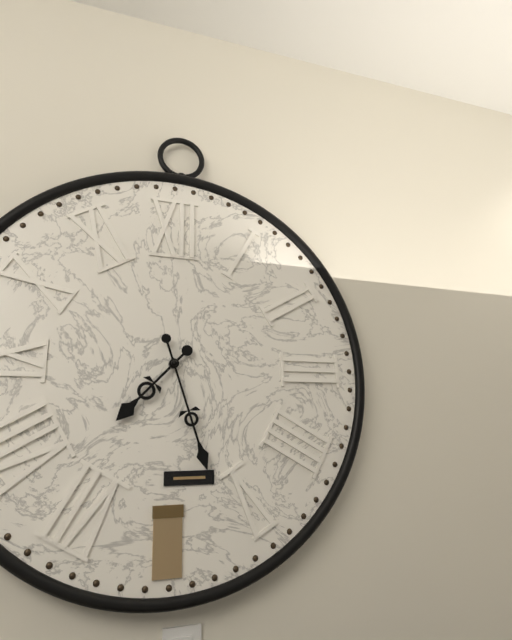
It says 7:27
